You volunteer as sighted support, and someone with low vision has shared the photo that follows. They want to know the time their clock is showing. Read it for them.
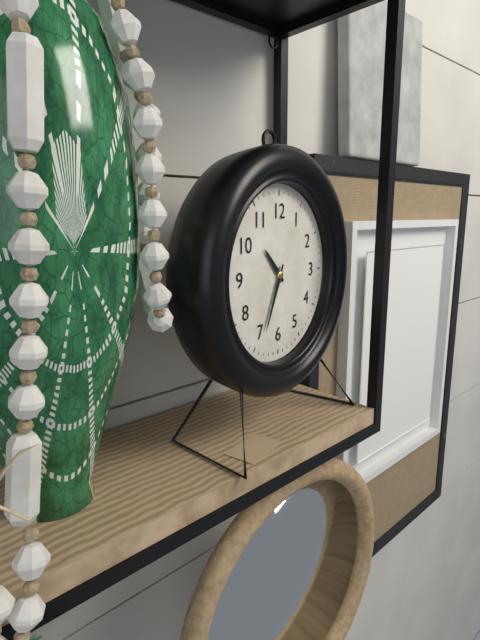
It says 10:34
